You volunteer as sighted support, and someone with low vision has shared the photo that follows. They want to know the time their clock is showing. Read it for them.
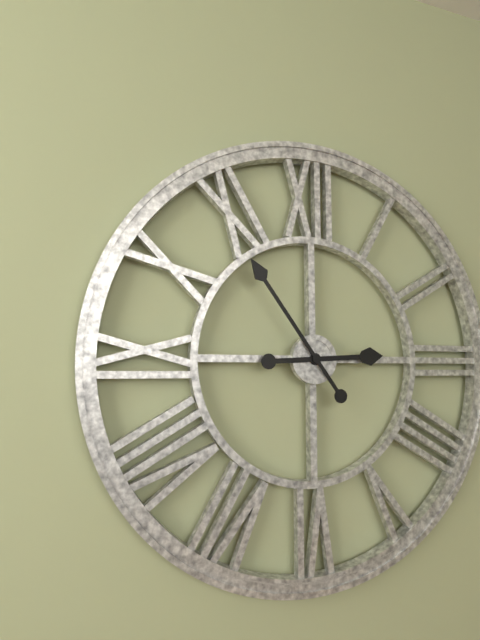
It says 2:54
